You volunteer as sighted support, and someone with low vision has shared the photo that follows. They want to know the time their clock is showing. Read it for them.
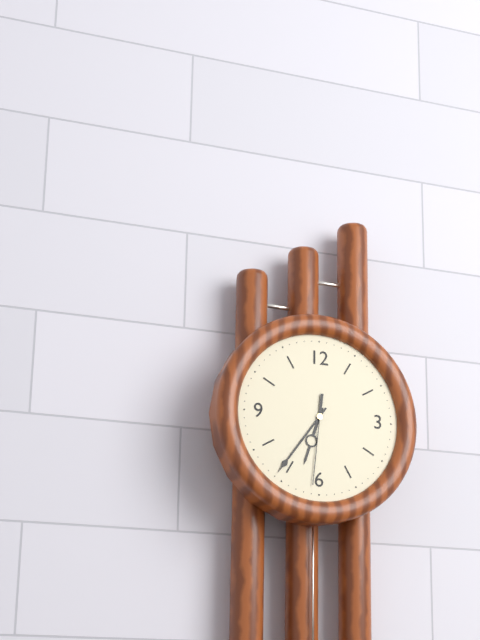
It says 6:36:31
